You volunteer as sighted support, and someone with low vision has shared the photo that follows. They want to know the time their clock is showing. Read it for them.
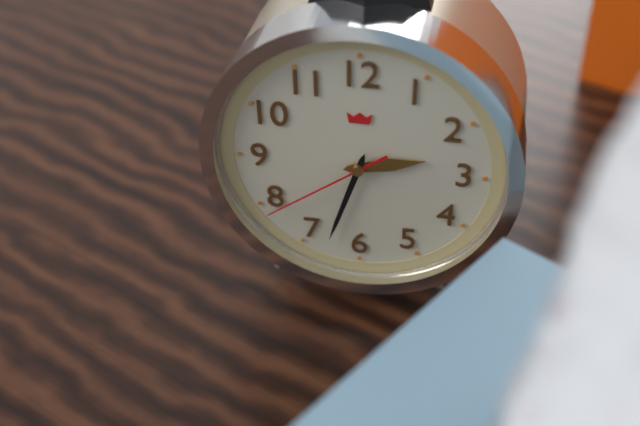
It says 2:33:39
